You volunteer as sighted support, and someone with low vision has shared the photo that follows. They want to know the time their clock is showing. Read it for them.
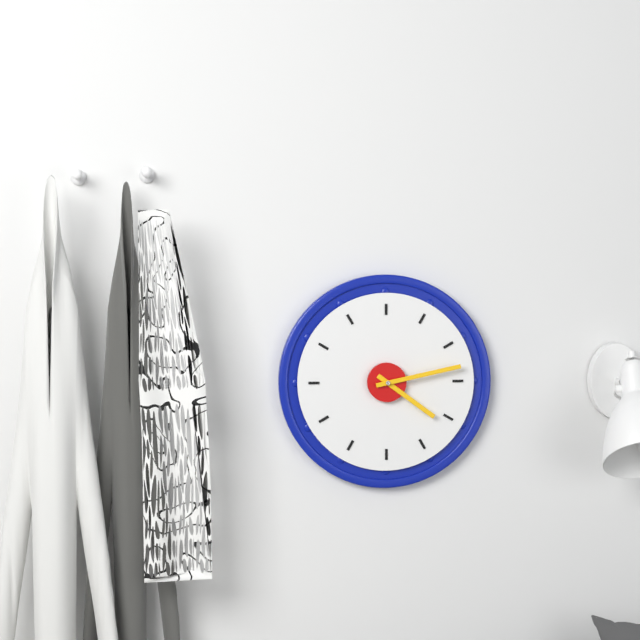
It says 4:13
